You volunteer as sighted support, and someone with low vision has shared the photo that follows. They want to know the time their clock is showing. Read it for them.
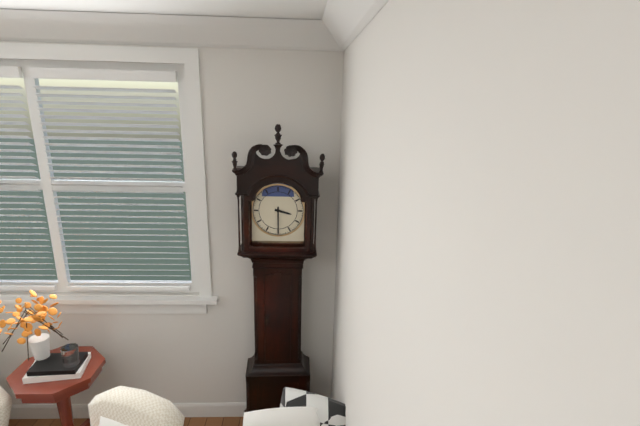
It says 3:30
